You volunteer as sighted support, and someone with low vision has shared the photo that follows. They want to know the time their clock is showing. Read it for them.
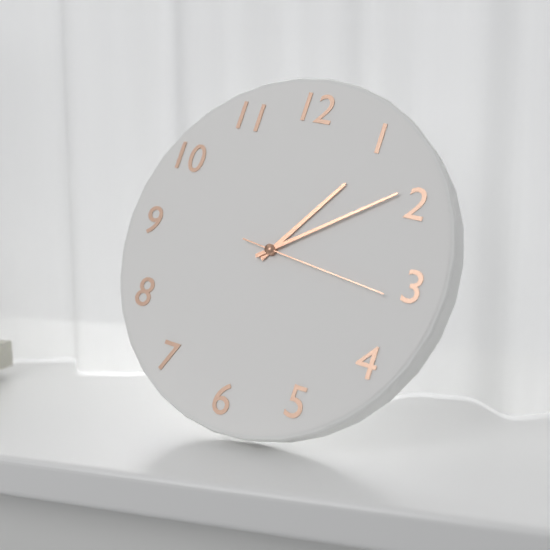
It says 1:09:16
